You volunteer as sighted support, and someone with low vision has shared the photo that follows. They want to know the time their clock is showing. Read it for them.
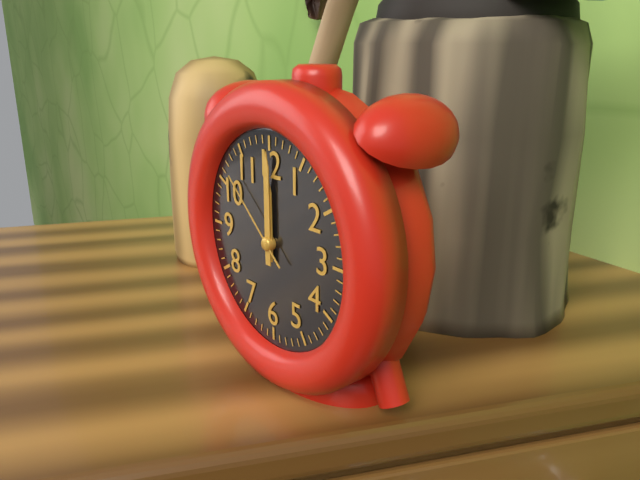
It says 12:00:52
